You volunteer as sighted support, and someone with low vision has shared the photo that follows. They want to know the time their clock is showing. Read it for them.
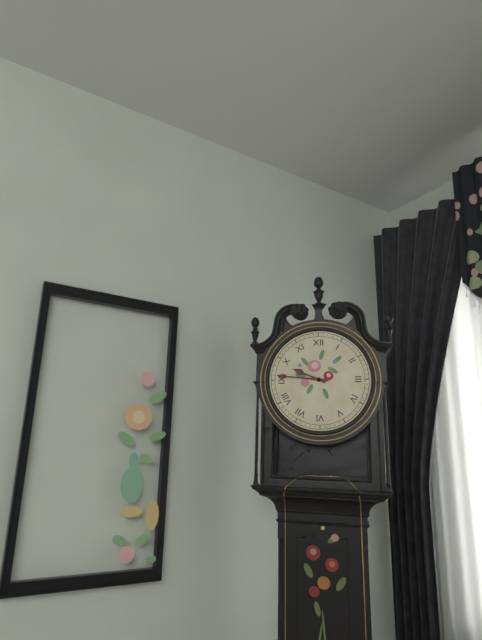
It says 9:46
